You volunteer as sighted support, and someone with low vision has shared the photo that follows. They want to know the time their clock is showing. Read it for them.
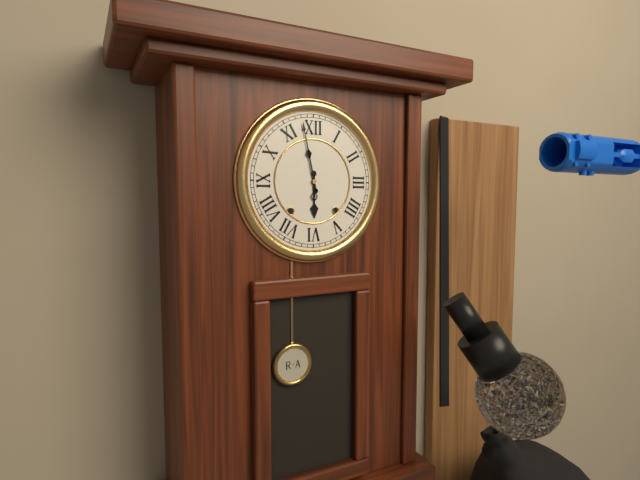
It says 5:58
